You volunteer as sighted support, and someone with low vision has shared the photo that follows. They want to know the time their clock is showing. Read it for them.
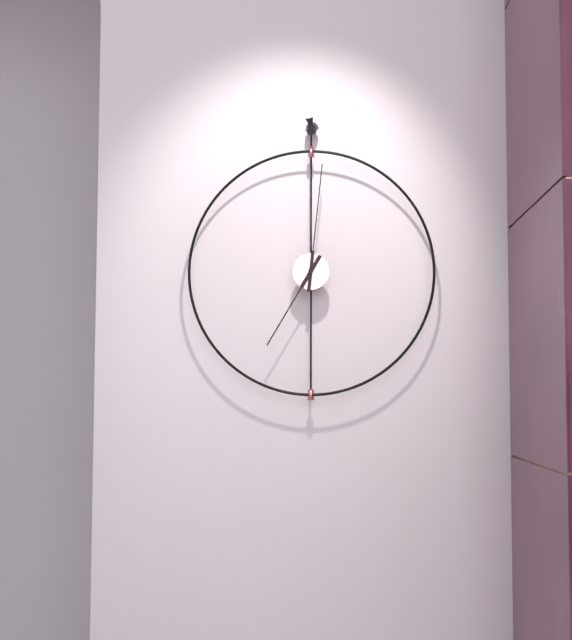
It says 7:01
